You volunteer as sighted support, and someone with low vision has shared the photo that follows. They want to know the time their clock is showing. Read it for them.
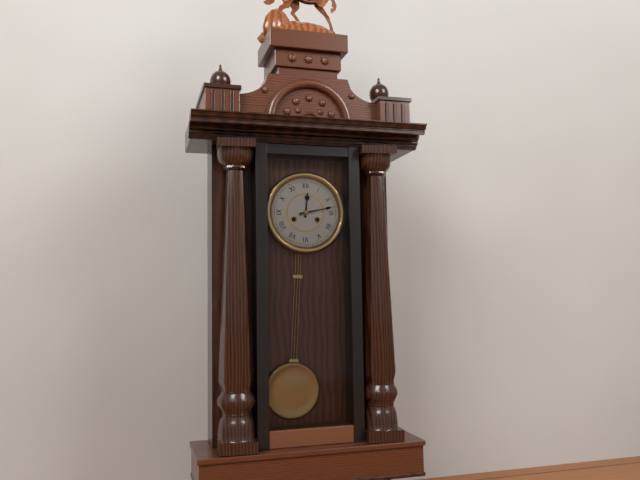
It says 12:13
